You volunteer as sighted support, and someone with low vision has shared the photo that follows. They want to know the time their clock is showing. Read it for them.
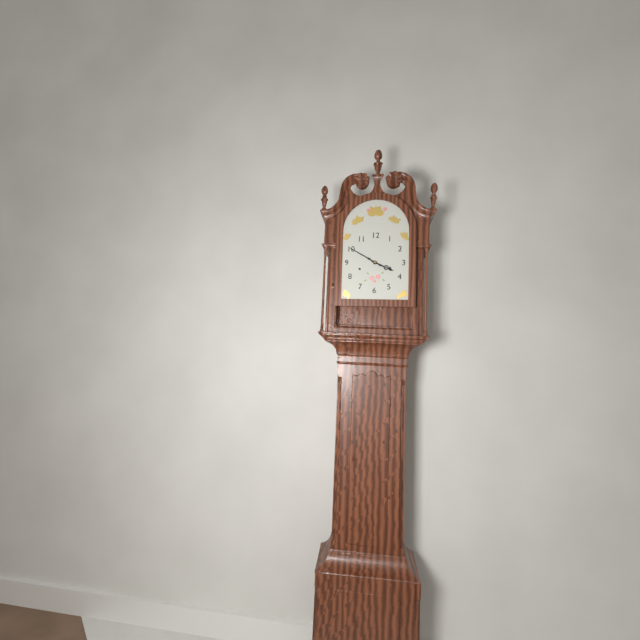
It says 3:50
